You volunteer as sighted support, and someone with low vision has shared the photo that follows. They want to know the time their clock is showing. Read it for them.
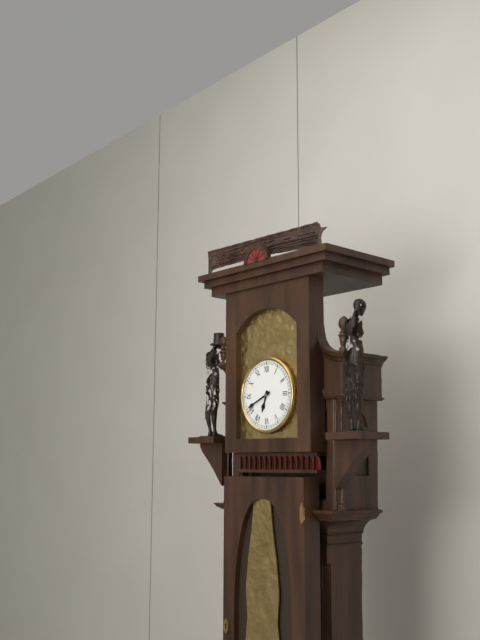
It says 6:41
